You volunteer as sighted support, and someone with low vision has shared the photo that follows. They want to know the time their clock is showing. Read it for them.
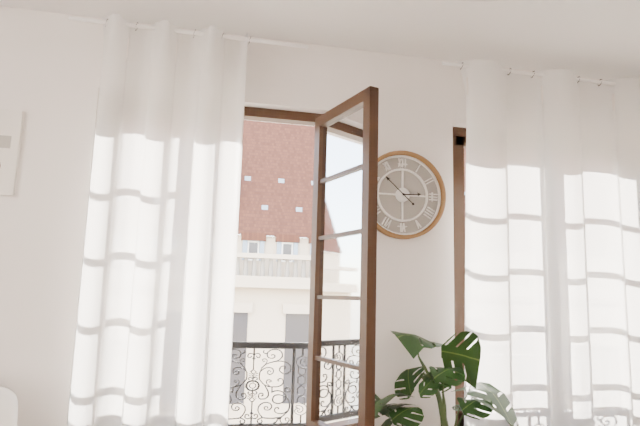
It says 2:52
